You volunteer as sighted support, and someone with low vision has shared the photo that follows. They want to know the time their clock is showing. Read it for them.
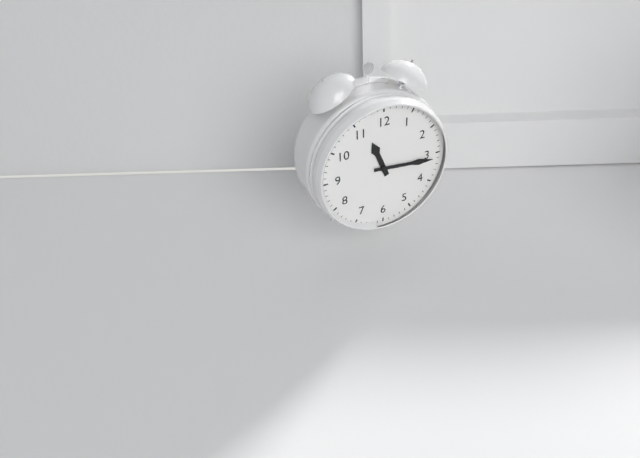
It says 11:16
